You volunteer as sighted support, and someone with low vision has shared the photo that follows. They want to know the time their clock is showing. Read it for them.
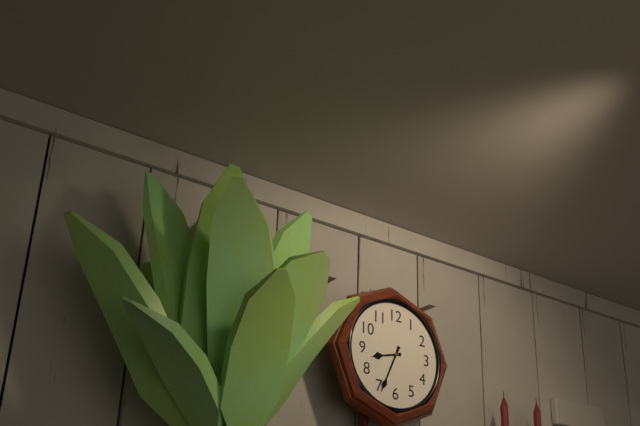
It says 8:34
